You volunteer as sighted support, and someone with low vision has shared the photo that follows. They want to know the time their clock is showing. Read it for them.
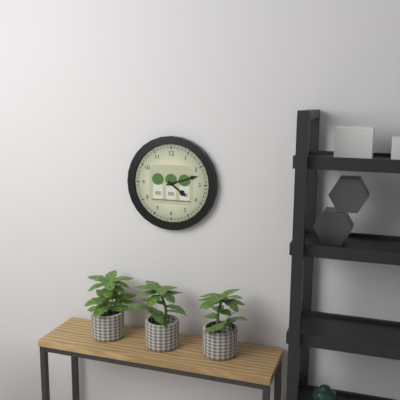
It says 4:12
